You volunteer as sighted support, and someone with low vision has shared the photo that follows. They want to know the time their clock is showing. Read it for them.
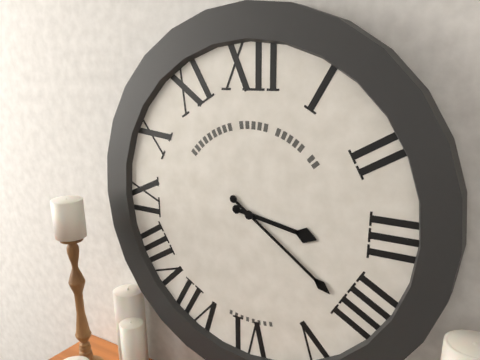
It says 3:21
